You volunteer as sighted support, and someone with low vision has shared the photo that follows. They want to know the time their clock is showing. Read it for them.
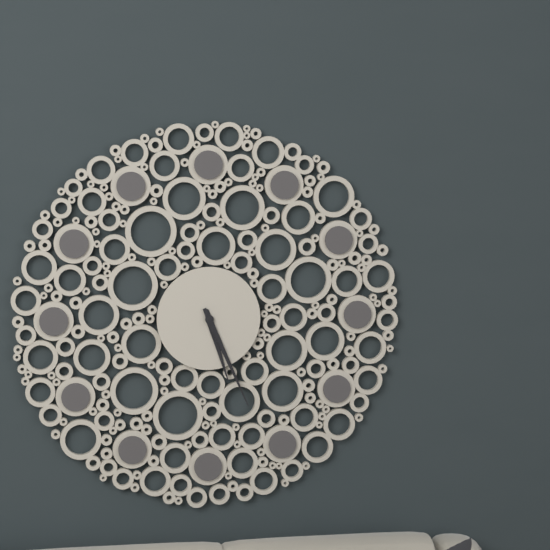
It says 5:26
